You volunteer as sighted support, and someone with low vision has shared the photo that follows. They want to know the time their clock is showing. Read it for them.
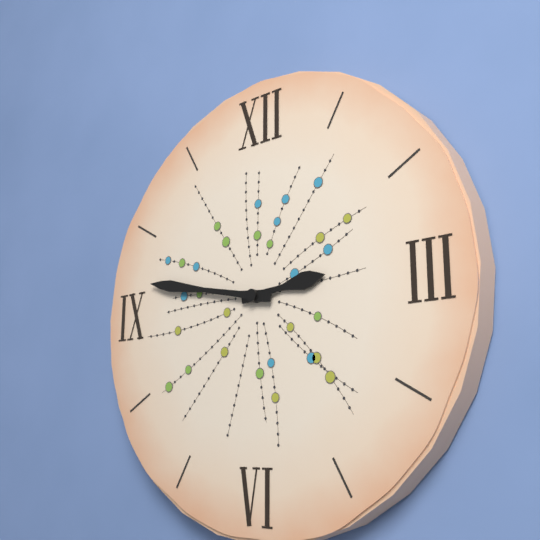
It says 2:47
